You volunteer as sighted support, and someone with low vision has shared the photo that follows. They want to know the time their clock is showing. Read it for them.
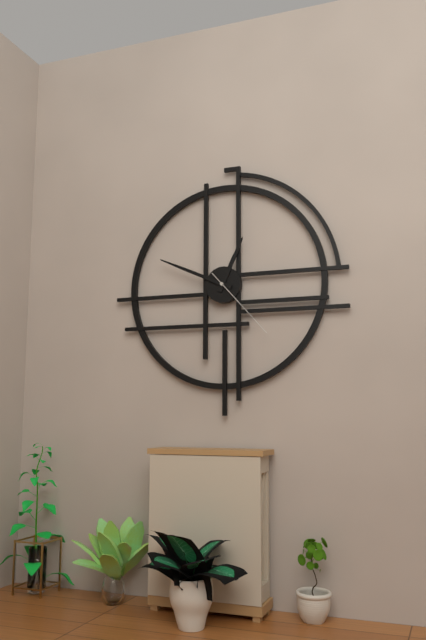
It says 12:49:23
